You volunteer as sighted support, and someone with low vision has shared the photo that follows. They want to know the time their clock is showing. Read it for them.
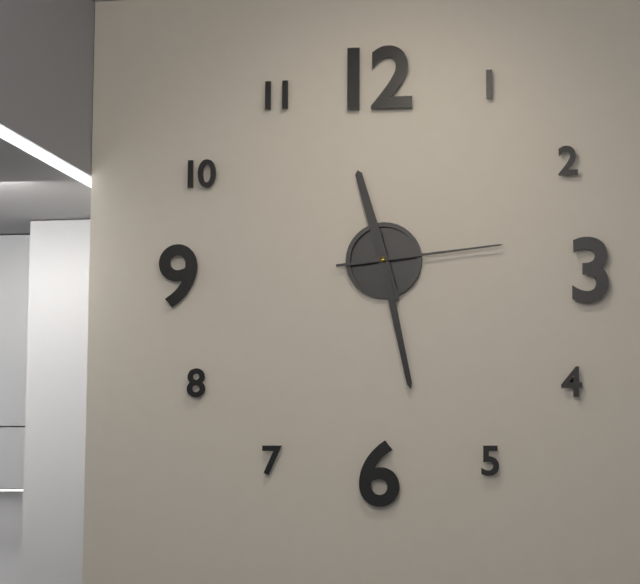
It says 11:28:14
